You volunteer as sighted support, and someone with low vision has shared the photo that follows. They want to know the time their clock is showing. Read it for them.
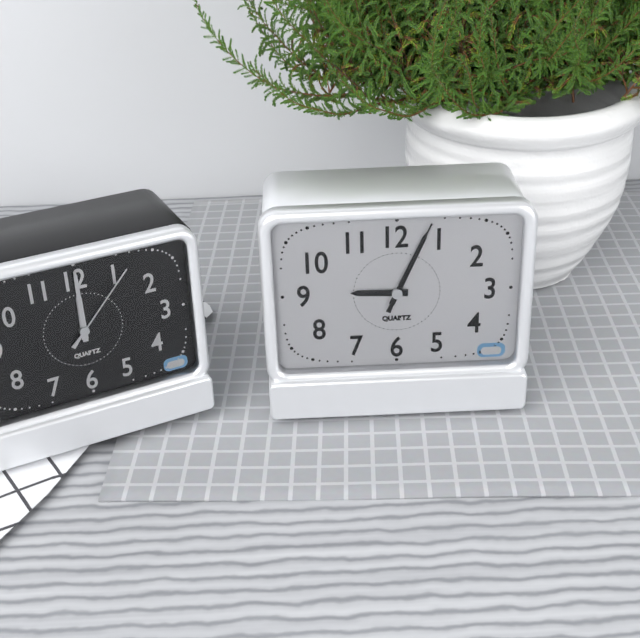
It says 9:04:04
